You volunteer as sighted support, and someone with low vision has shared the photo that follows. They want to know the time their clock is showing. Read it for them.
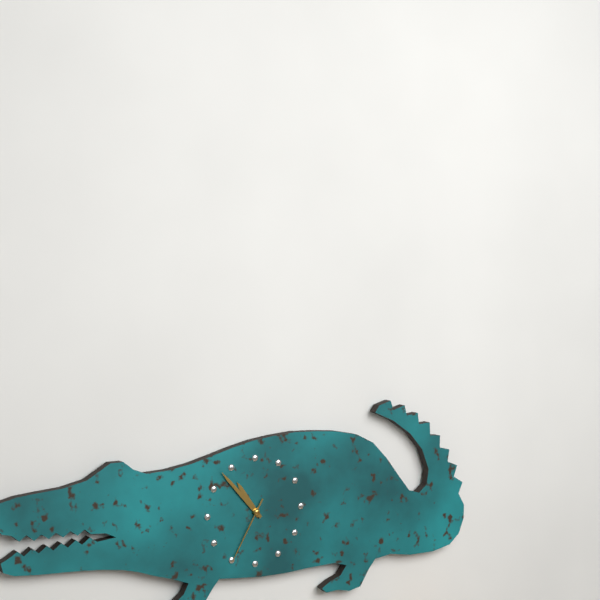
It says 10:53:35
